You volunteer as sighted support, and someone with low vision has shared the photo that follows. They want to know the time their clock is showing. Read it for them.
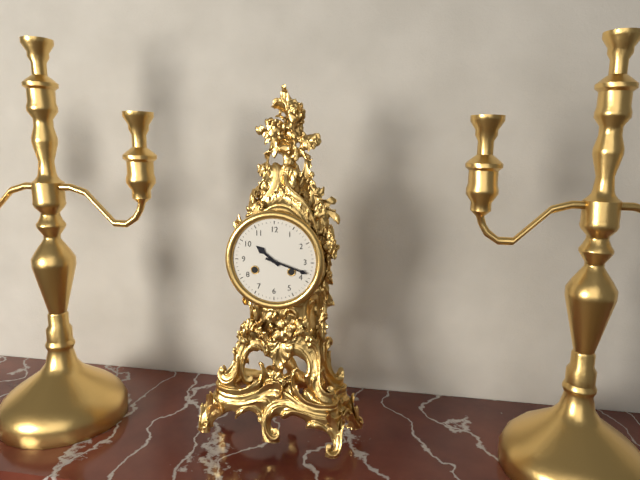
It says 10:18
